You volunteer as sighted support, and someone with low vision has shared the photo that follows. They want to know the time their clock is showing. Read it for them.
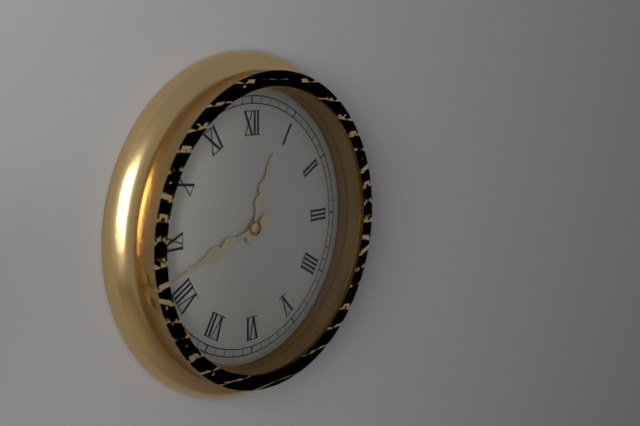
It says 12:42
